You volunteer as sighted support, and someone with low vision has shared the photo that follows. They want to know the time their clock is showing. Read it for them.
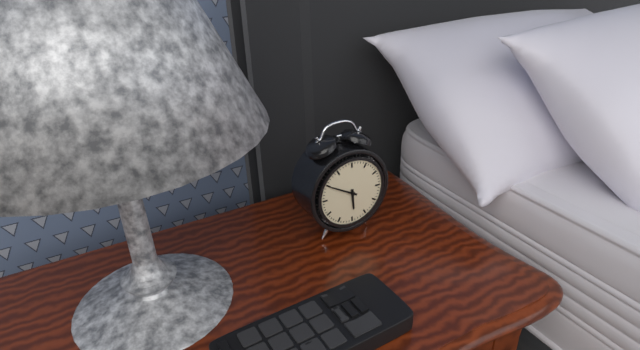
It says 5:50
